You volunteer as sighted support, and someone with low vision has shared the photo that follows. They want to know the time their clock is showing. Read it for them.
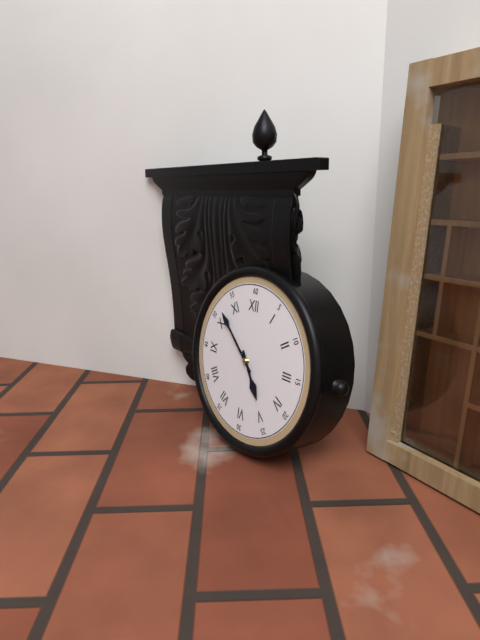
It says 4:52
